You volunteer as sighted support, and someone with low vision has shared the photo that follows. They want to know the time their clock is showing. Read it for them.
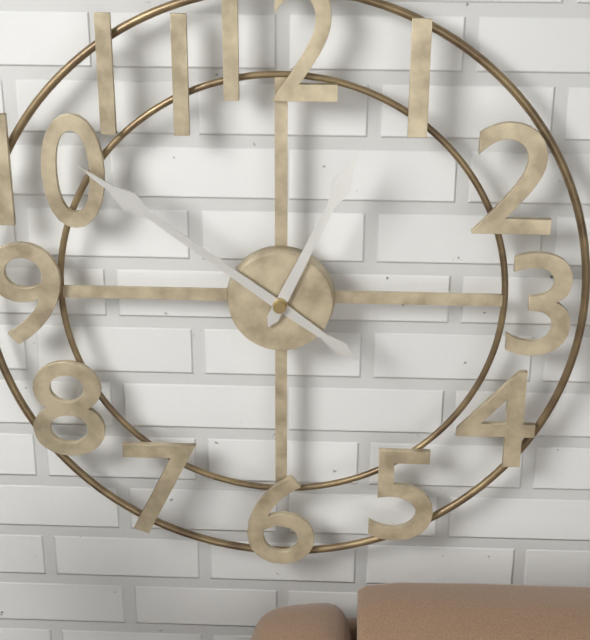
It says 12:51
